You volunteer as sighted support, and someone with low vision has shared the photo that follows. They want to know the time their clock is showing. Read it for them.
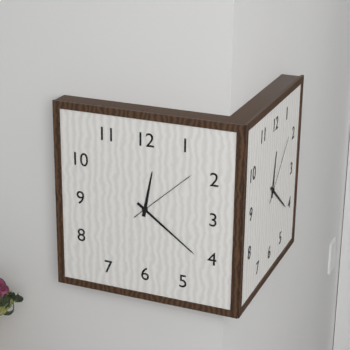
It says 12:21:08
